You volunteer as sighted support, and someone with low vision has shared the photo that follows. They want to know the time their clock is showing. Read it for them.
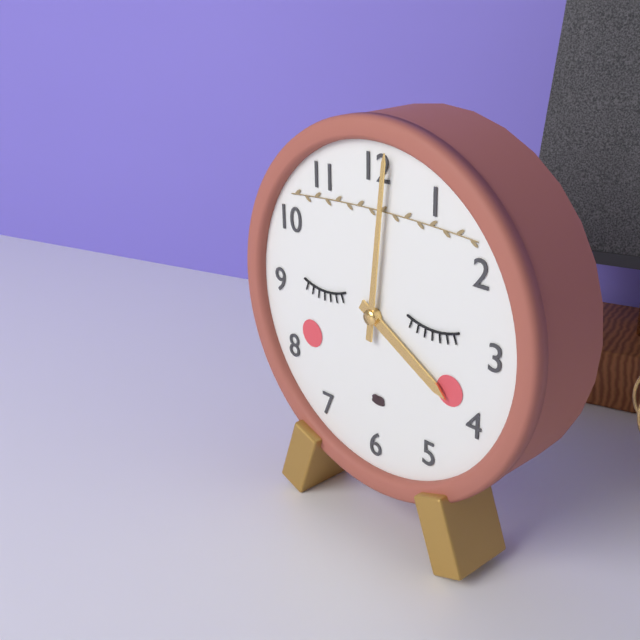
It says 4:01
